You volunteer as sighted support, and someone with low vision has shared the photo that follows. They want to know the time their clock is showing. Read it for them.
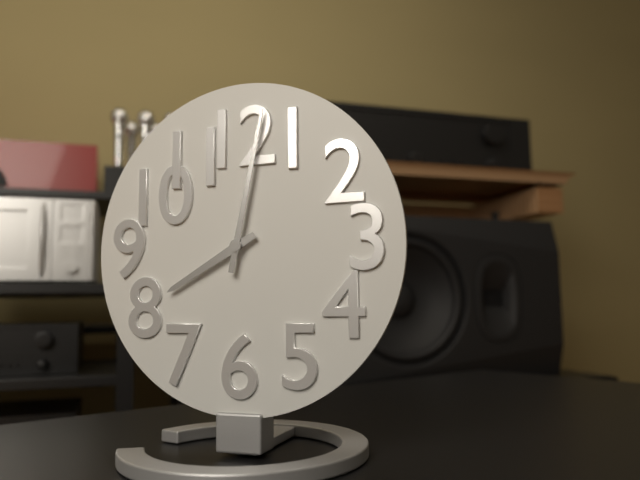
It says 8:02
